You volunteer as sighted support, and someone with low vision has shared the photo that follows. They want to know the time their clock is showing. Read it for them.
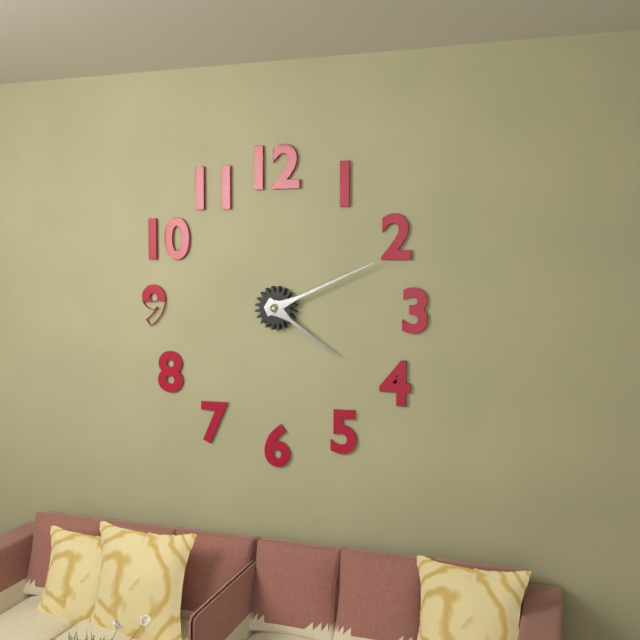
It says 4:11
